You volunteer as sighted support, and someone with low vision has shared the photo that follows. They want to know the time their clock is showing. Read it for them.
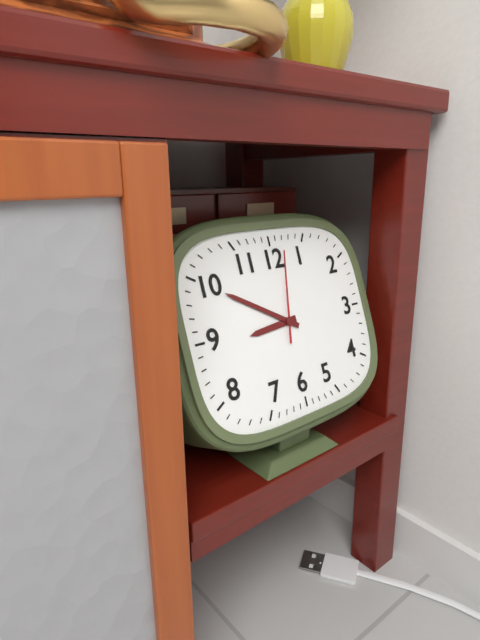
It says 8:50:02
